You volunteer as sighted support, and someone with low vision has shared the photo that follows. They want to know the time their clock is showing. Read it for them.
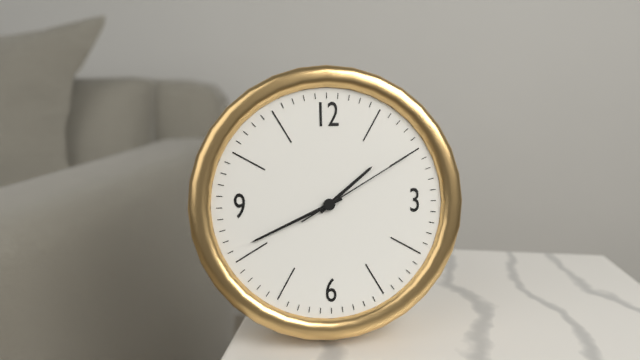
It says 1:41:10
